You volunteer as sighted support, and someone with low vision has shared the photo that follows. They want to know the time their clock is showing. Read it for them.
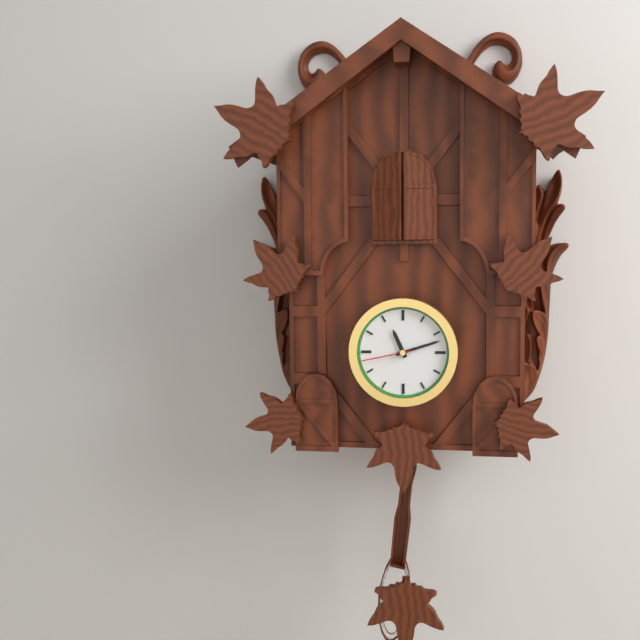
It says 11:12:43
